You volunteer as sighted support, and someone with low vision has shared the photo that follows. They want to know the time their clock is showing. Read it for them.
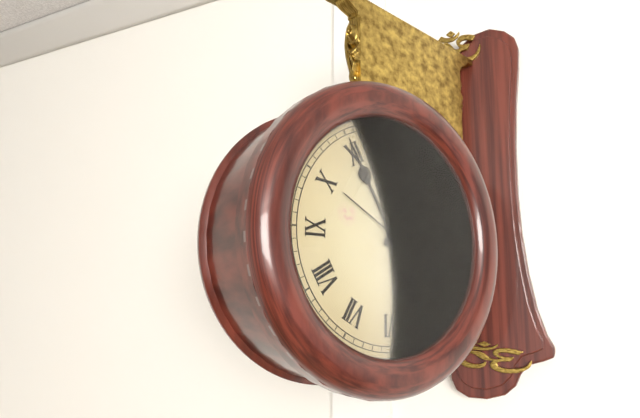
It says 12:55:50
